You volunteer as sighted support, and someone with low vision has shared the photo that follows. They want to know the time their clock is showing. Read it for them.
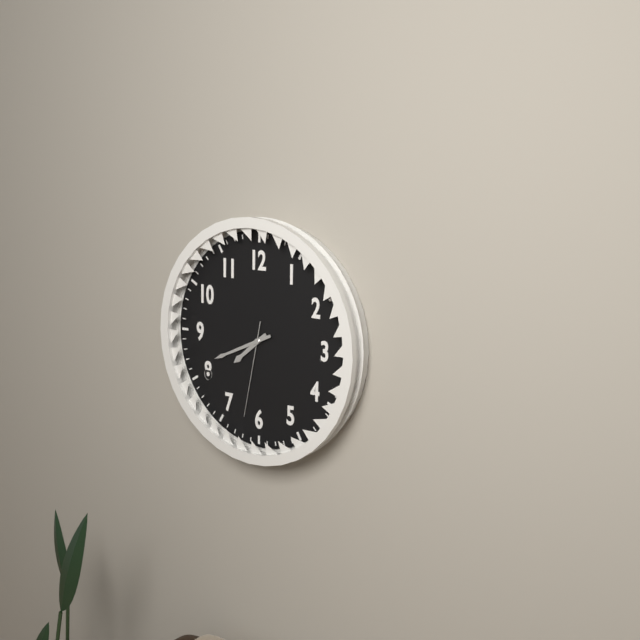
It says 7:41:32
